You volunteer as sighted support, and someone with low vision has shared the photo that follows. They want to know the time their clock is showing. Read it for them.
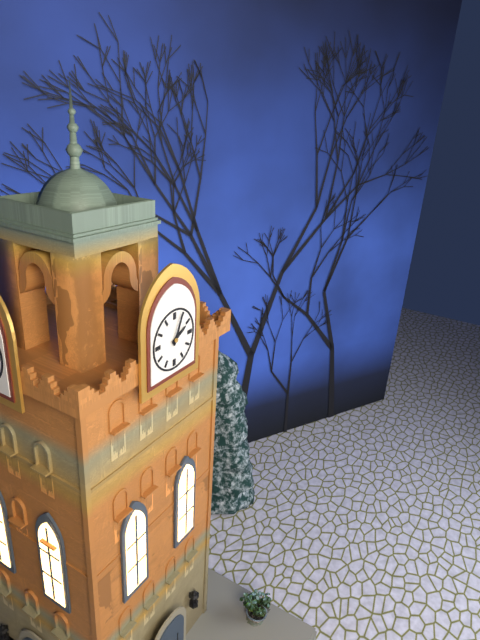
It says 2:04
